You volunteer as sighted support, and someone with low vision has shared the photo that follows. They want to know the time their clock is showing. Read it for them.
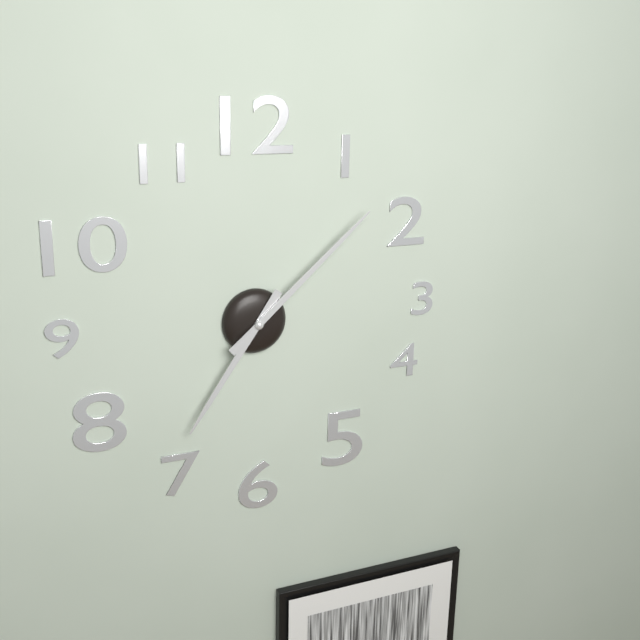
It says 7:08
